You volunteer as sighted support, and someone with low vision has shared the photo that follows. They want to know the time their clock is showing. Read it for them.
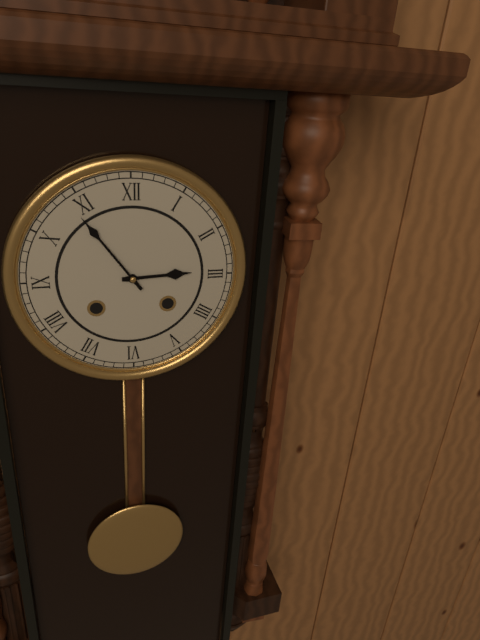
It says 2:54
